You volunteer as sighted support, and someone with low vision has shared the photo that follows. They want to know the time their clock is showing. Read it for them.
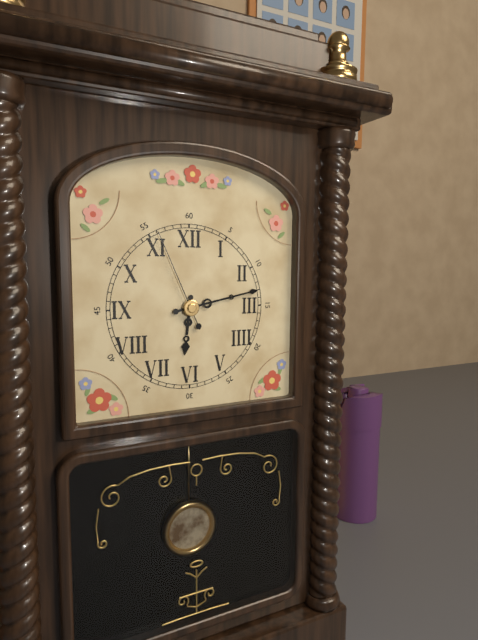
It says 6:13:56
